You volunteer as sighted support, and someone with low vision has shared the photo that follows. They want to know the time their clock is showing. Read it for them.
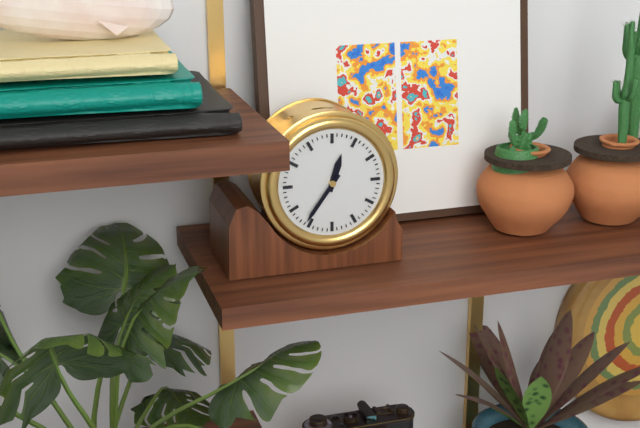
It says 12:36
